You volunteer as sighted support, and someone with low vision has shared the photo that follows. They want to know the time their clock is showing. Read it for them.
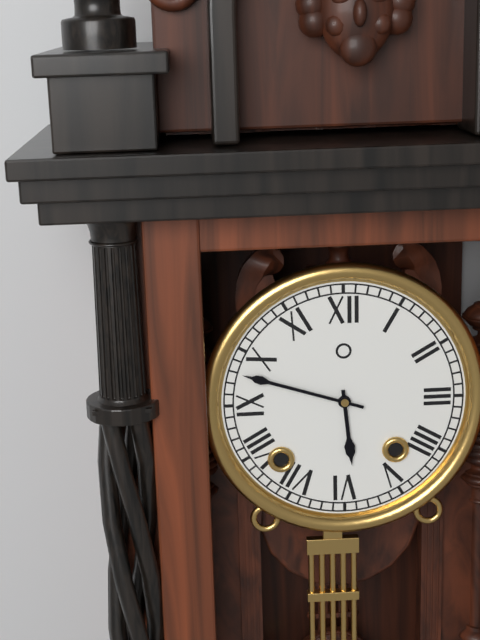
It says 5:48
